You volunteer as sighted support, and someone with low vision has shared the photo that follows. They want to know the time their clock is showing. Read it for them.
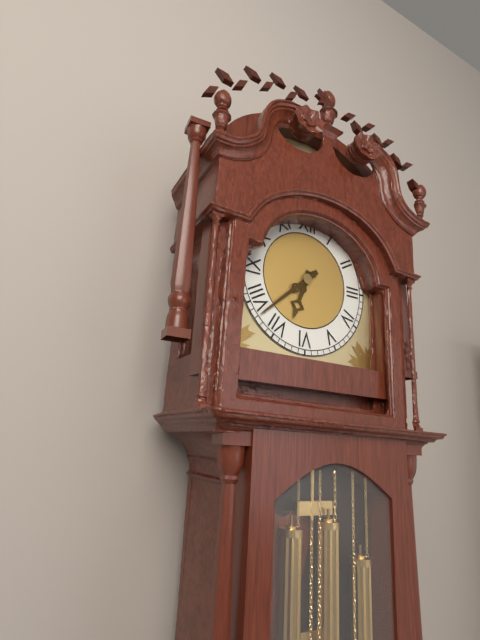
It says 6:38
